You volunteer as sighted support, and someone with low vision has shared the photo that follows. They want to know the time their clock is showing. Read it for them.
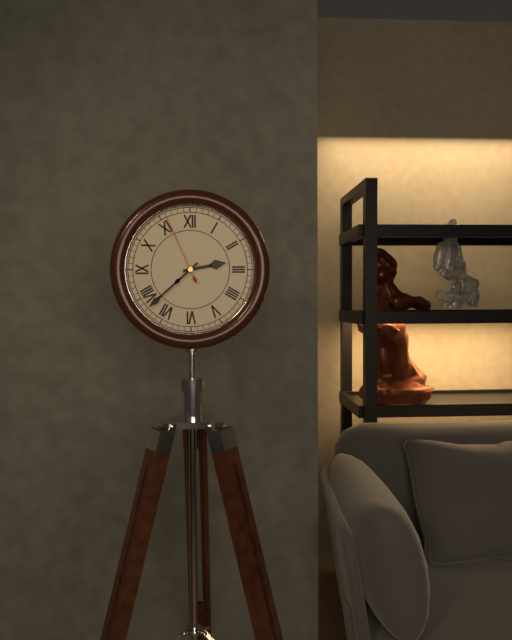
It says 2:38:56
